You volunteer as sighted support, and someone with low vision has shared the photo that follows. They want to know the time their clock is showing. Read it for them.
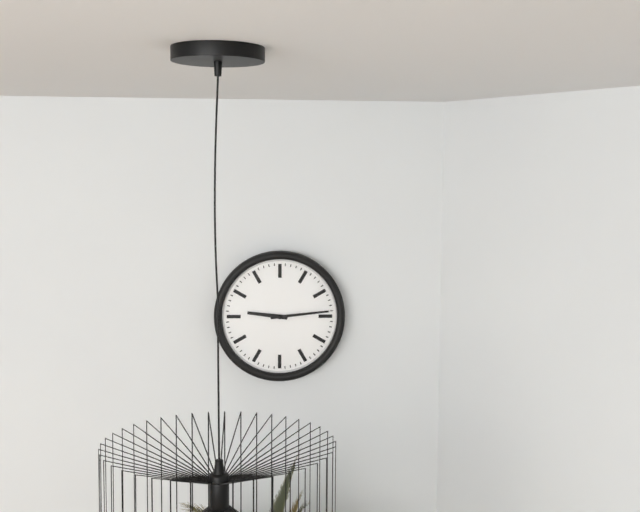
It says 9:14
